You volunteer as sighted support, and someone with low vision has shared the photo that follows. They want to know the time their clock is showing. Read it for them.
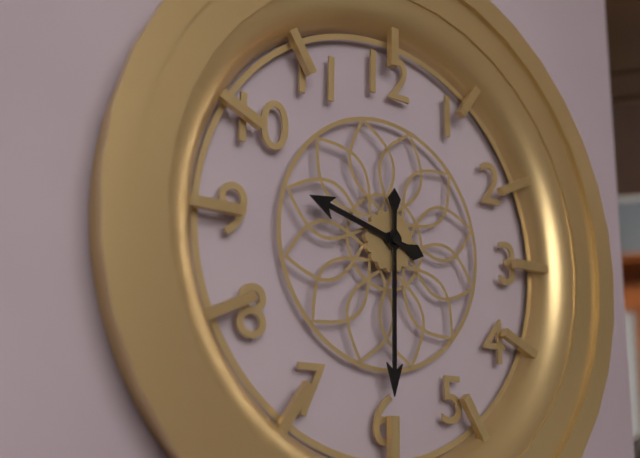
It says 9:30
